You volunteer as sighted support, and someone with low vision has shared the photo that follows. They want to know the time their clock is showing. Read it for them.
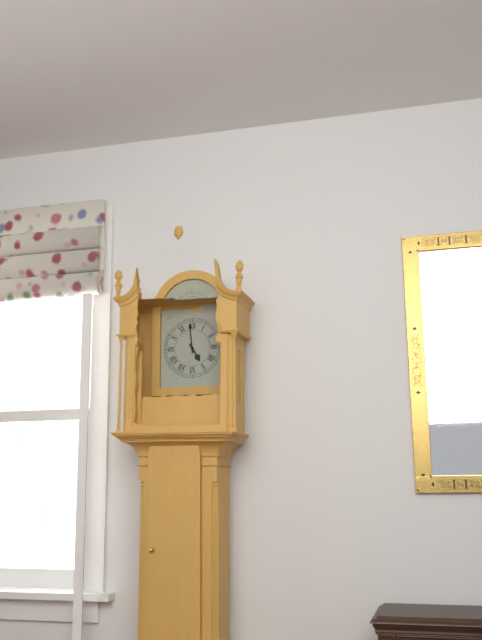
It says 4:59
